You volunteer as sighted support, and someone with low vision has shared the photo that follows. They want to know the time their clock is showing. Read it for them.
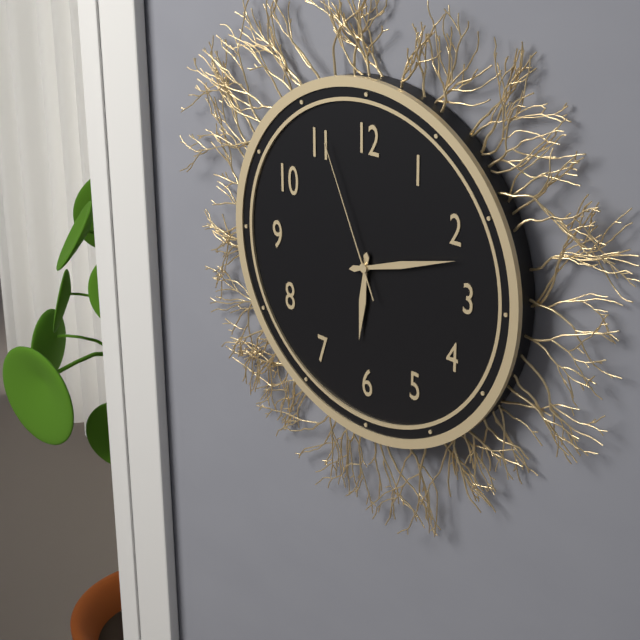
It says 6:12:56
